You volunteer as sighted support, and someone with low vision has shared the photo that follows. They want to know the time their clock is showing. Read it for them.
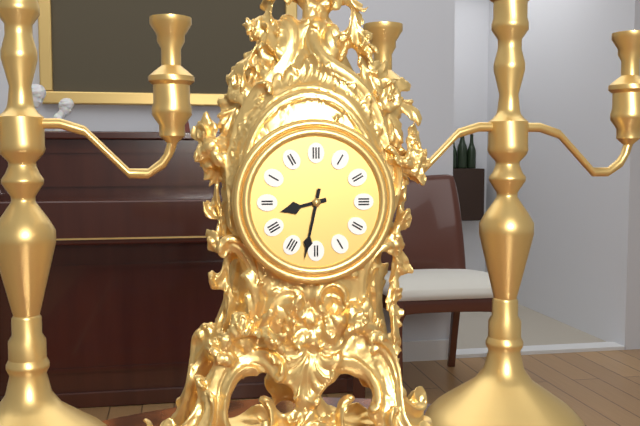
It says 8:32
